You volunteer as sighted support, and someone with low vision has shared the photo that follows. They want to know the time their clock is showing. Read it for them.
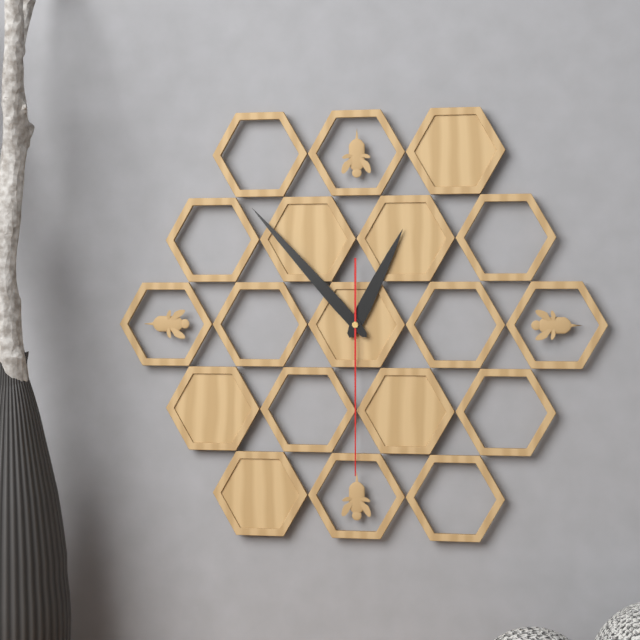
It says 12:53:30
